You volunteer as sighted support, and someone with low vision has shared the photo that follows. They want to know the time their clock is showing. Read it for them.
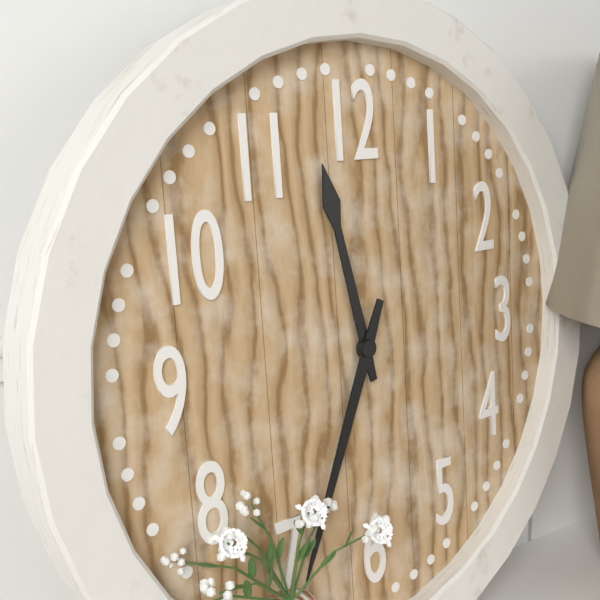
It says 11:34
